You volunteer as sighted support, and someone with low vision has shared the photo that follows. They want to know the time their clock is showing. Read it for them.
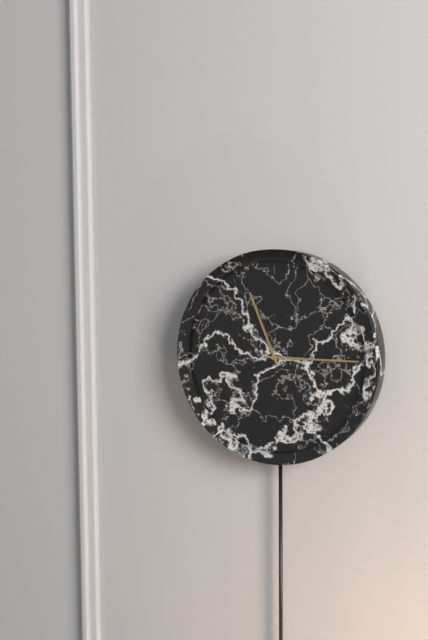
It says 11:15
